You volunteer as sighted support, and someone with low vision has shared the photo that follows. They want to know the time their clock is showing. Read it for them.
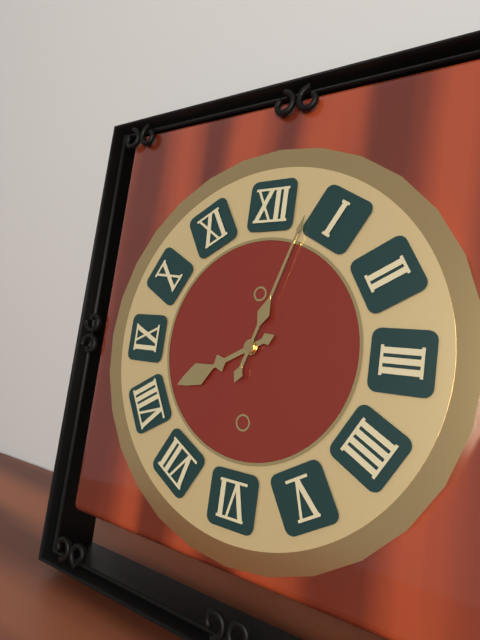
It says 8:03
